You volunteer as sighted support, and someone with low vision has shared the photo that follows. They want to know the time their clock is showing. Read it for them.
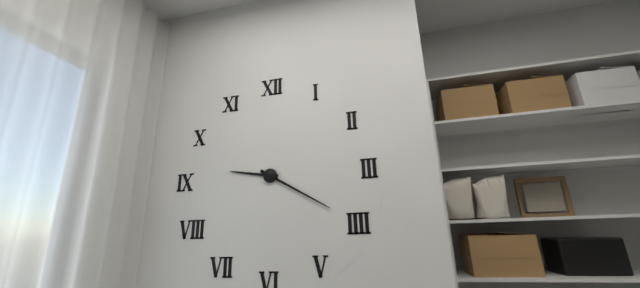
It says 9:20
